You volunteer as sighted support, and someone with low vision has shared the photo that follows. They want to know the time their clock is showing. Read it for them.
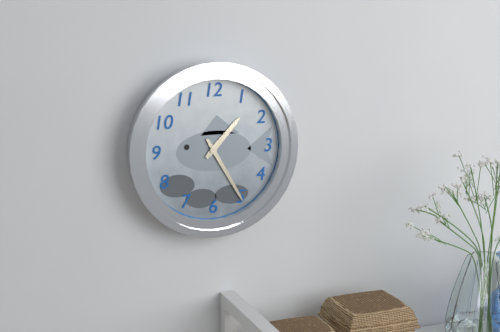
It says 1:25
